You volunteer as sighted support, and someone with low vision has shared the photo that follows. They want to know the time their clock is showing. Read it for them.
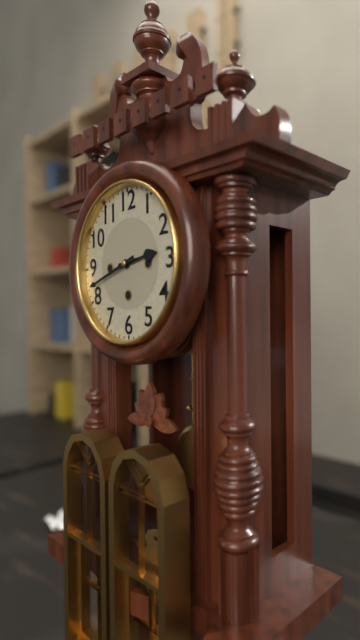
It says 2:42
